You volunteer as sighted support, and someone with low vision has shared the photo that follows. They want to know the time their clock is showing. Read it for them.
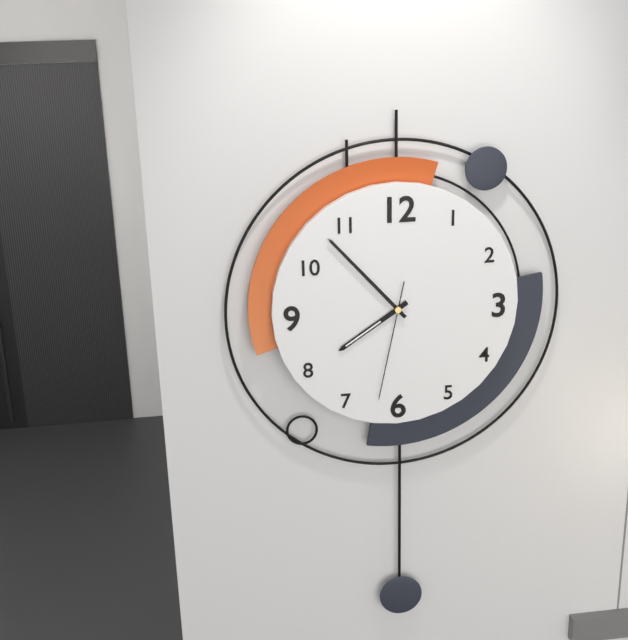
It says 7:53:32
